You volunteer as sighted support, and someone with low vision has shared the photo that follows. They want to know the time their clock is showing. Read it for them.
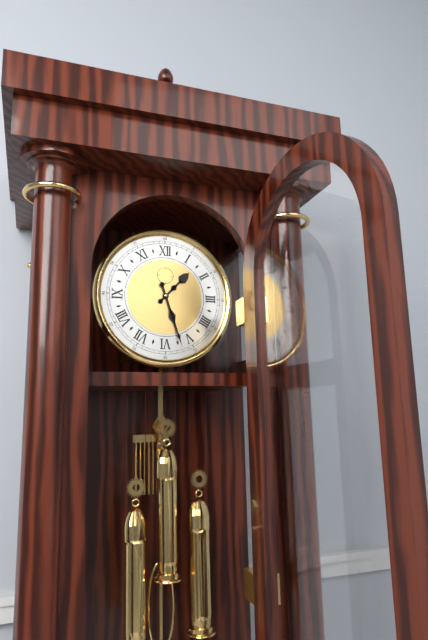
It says 1:27
